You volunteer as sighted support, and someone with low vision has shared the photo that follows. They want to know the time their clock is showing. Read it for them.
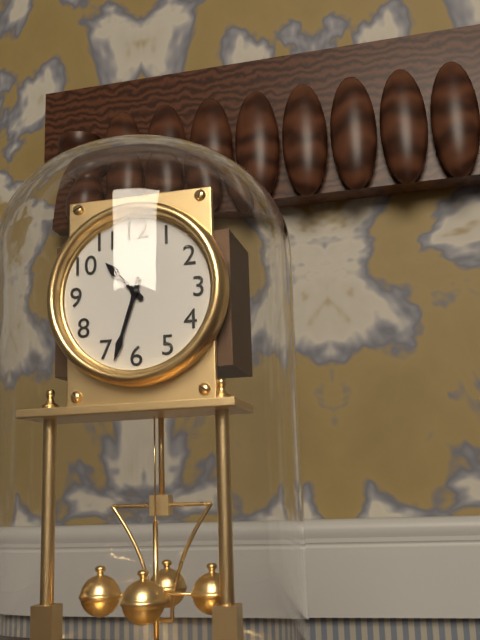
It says 10:33
